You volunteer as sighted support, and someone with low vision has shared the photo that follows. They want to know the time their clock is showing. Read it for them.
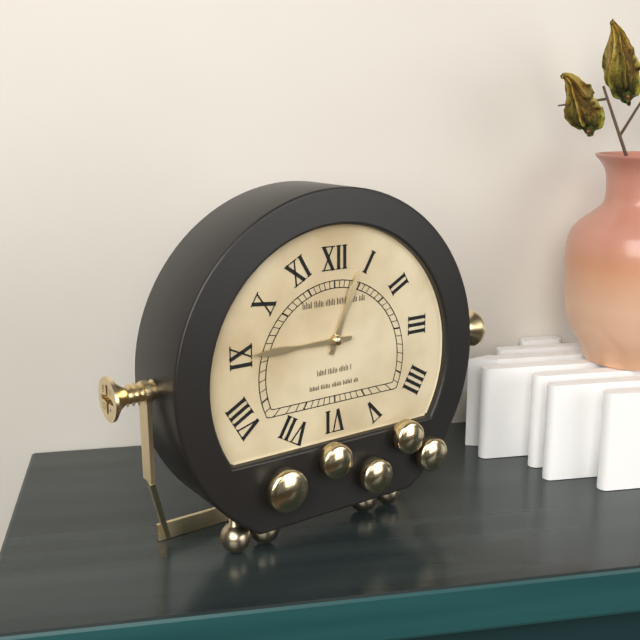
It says 12:45
